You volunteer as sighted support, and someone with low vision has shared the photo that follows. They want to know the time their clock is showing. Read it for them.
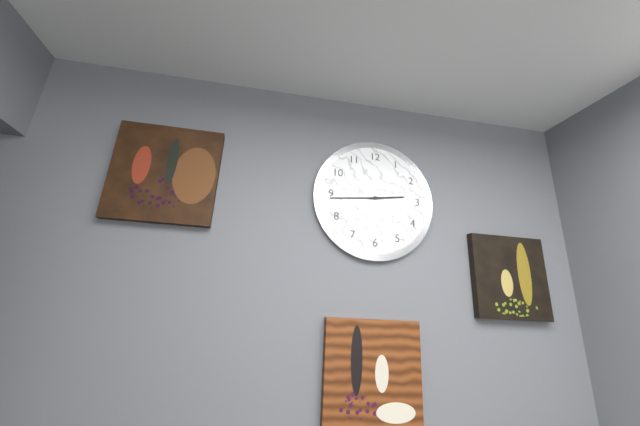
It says 2:44
